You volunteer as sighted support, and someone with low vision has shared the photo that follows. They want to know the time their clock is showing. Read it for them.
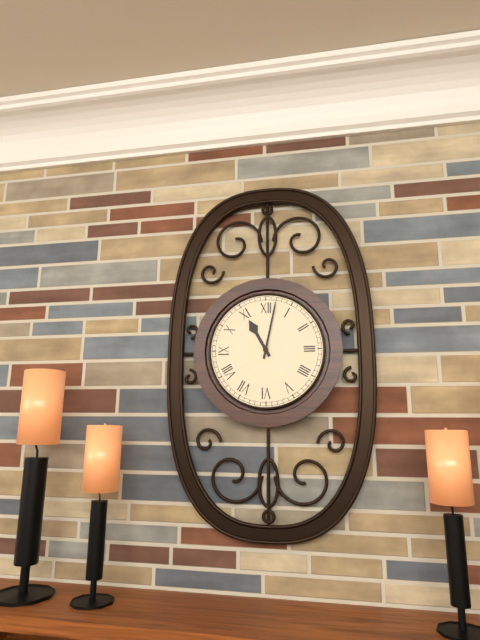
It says 11:02
